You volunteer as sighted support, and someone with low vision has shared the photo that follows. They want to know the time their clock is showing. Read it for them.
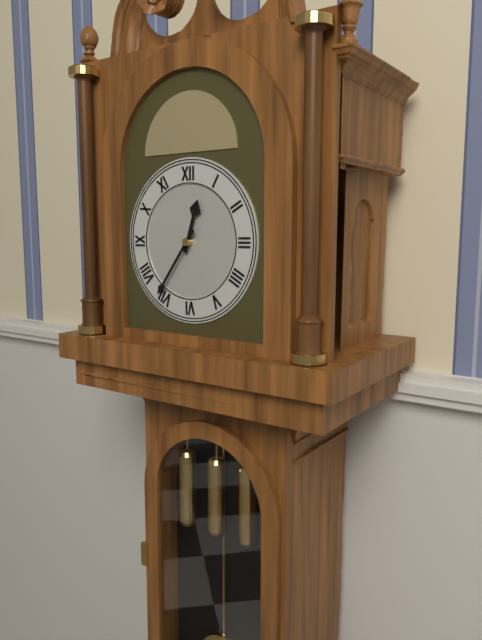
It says 12:36
